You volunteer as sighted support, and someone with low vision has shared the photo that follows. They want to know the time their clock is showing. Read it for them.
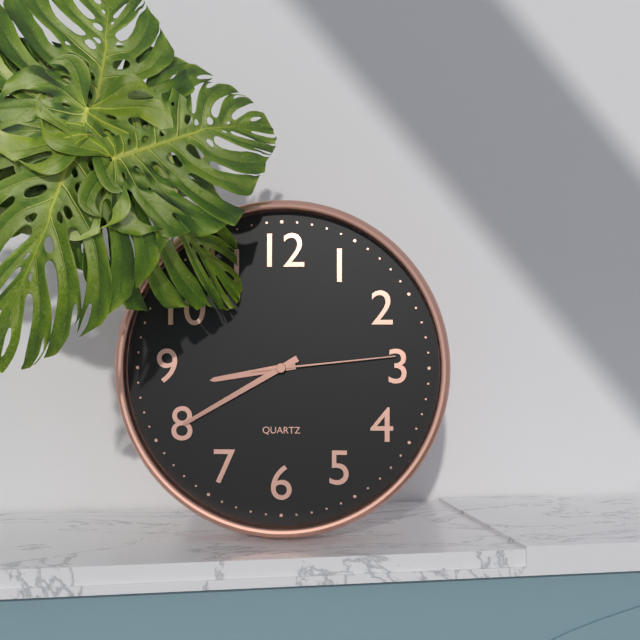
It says 8:40:14
